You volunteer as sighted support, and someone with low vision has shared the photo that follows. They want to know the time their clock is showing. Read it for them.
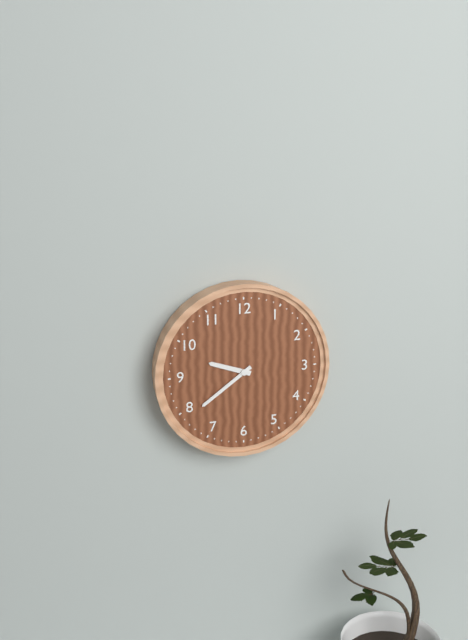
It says 9:39
